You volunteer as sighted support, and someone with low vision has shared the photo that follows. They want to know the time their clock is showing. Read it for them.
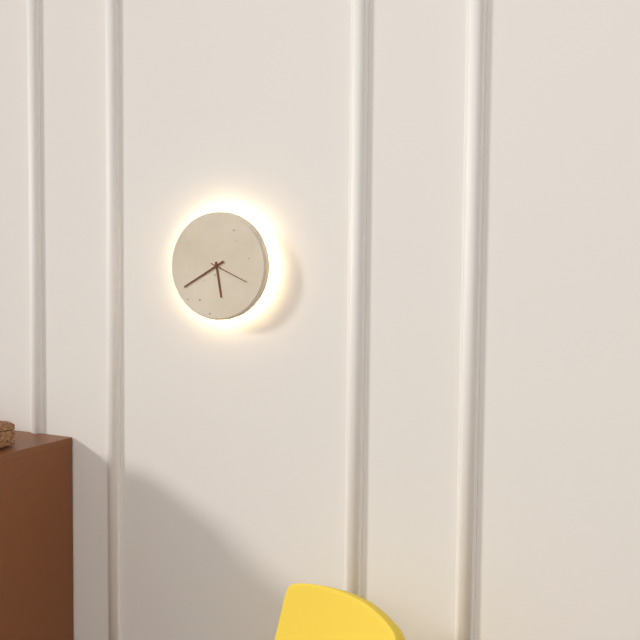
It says 5:40
